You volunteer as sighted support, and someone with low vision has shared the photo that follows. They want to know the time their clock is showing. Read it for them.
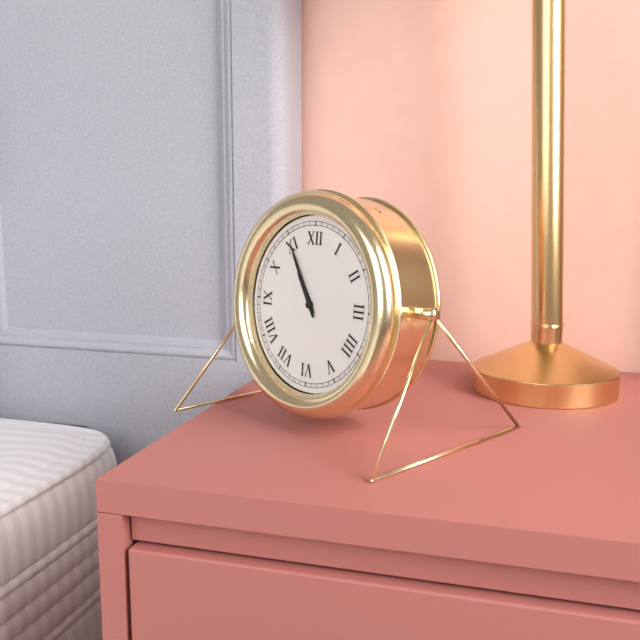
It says 10:55
